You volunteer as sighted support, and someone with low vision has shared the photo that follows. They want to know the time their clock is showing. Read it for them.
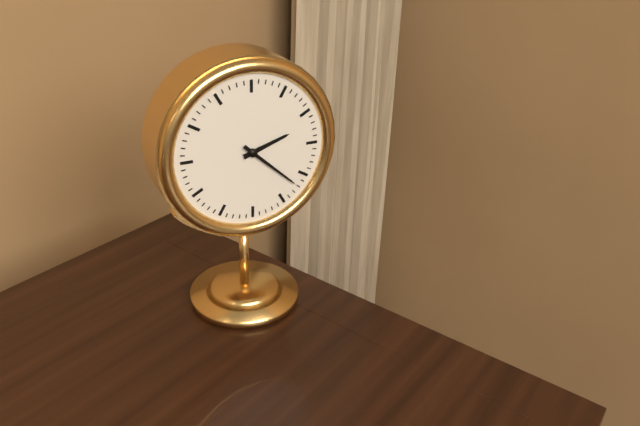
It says 2:22
